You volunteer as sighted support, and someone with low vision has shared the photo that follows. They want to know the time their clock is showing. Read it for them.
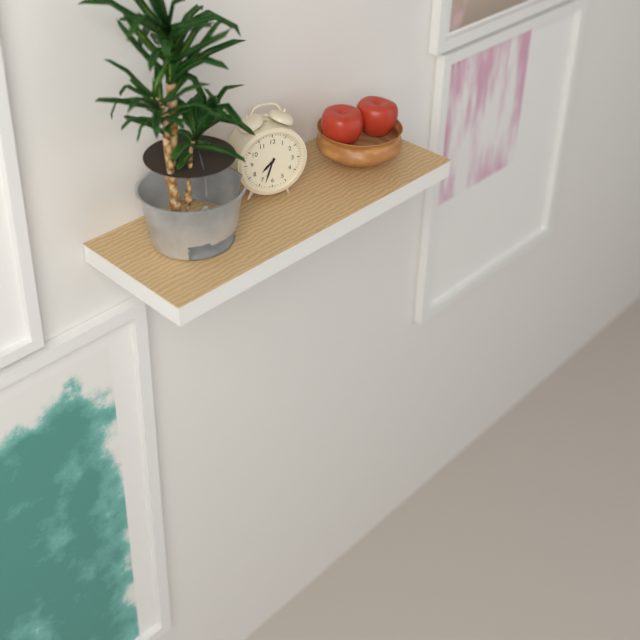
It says 7:33
